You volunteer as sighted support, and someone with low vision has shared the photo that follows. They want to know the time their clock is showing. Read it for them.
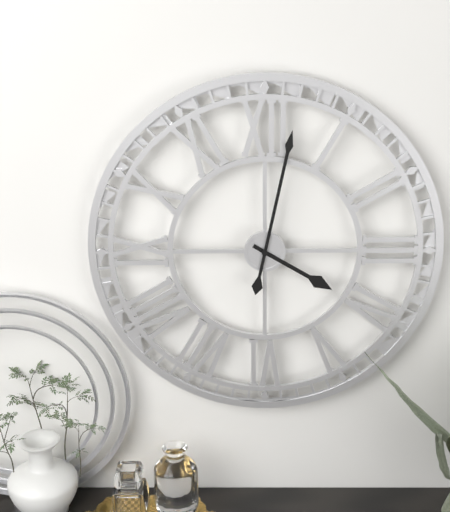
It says 4:02
